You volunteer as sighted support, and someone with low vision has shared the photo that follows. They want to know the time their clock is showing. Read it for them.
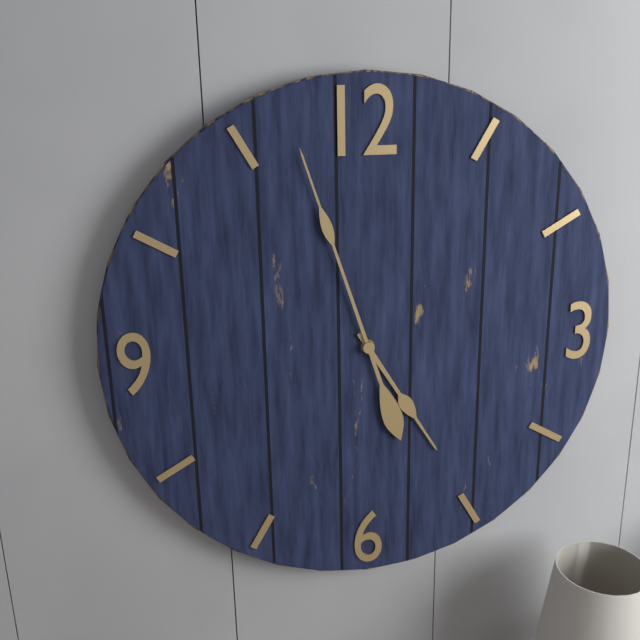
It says 4:57
